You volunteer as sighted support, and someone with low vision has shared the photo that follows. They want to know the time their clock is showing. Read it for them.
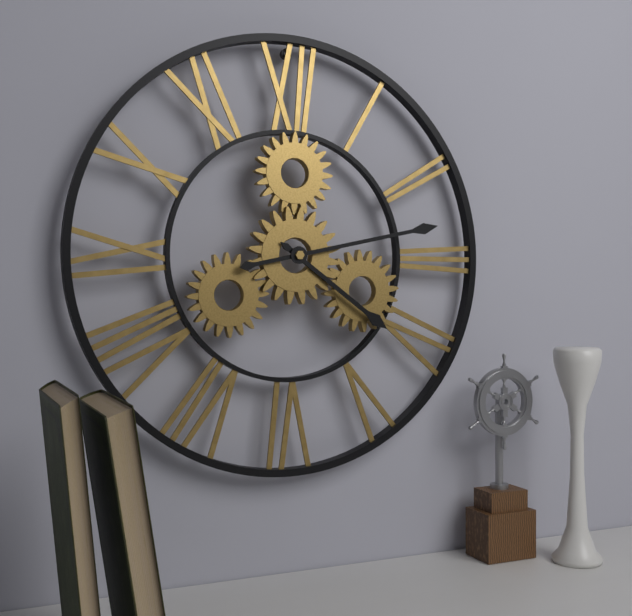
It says 4:13
